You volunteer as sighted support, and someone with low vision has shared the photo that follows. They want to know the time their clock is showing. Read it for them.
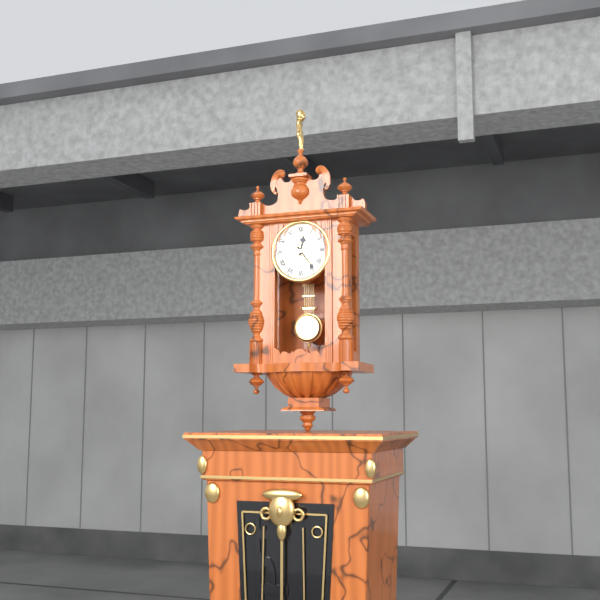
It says 12:24
